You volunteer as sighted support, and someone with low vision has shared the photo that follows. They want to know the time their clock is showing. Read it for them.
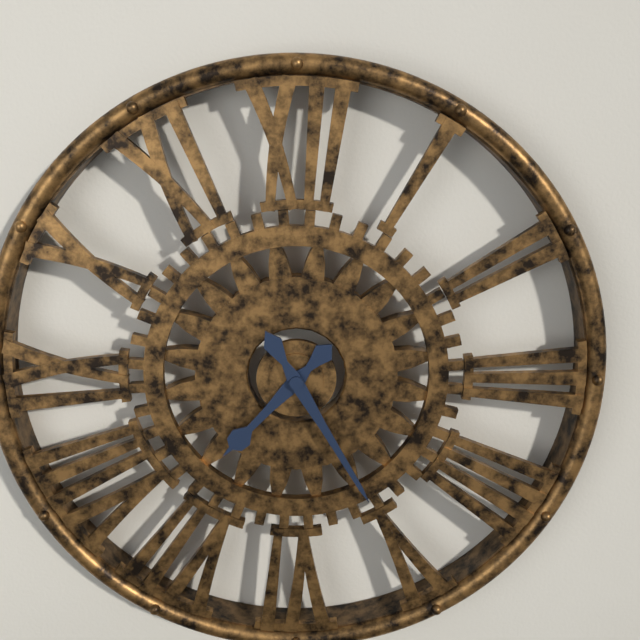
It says 7:25
